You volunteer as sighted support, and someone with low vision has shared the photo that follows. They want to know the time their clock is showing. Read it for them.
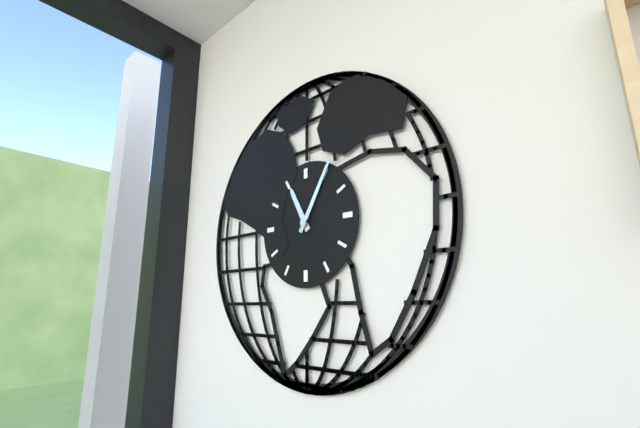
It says 11:05
